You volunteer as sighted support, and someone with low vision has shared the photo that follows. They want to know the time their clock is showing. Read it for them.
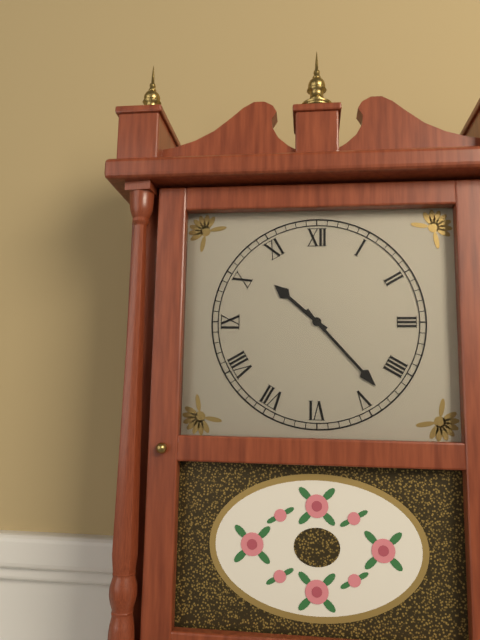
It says 10:23
